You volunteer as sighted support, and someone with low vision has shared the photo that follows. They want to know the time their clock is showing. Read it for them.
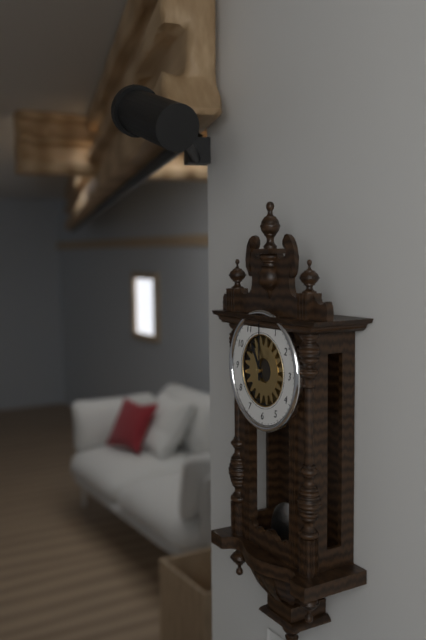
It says 11:00
